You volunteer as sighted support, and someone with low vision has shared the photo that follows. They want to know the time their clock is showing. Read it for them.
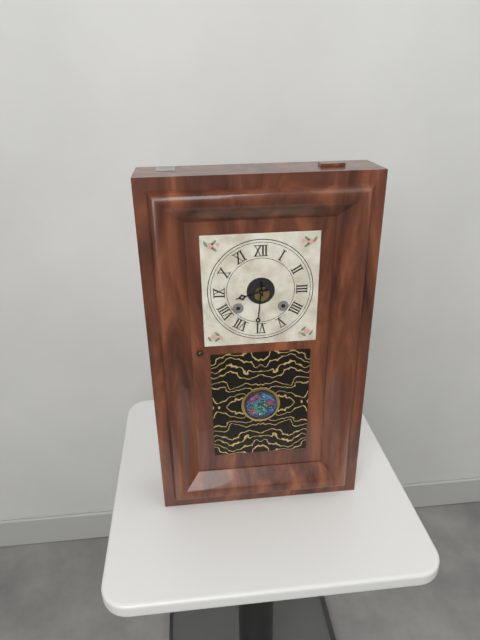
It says 8:31
